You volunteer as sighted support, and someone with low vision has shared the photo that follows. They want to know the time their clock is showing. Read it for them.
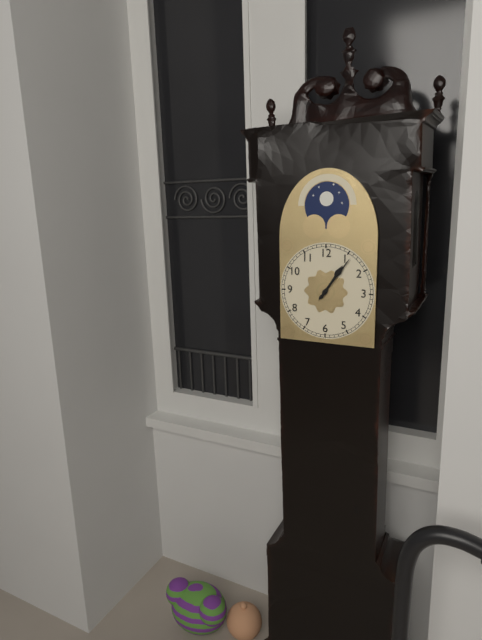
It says 1:06
